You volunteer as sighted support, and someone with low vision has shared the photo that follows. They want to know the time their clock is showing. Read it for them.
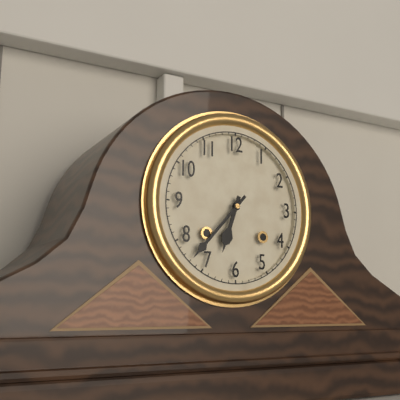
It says 6:37
